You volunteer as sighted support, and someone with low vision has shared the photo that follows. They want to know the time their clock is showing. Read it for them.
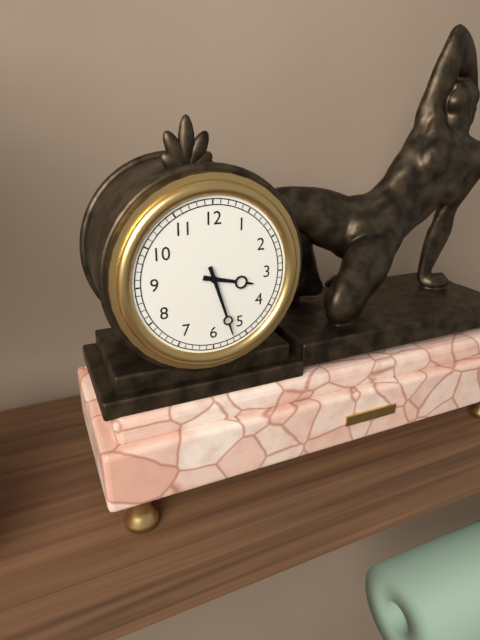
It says 3:27
